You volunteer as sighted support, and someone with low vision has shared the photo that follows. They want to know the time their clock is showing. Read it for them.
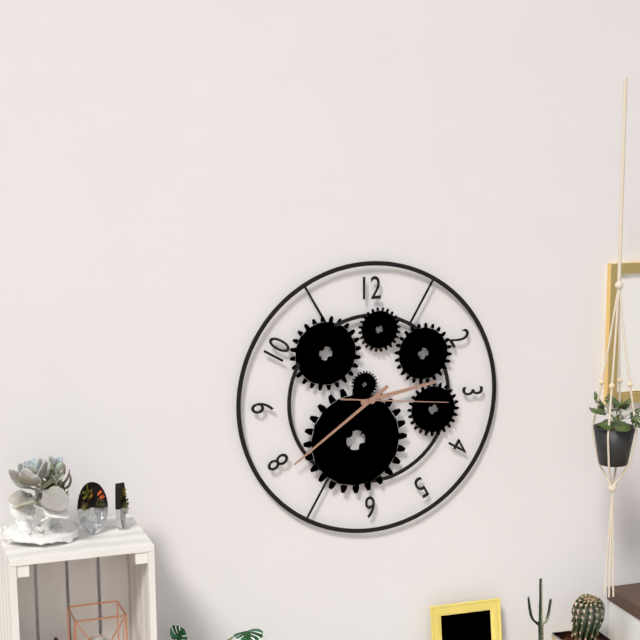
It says 2:39:16
